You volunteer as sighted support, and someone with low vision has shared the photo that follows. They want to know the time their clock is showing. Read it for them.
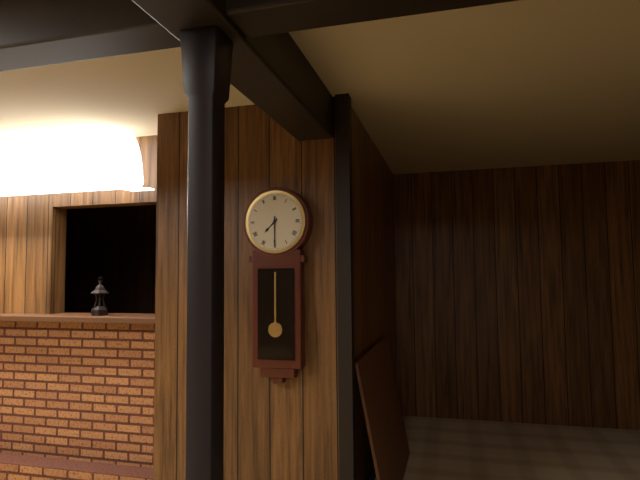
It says 7:30
